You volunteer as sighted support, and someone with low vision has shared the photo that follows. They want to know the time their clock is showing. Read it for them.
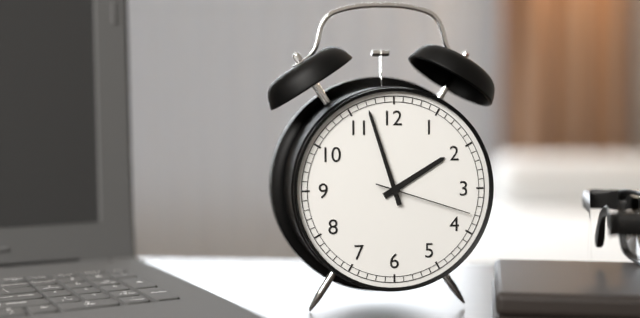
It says 1:57:18
